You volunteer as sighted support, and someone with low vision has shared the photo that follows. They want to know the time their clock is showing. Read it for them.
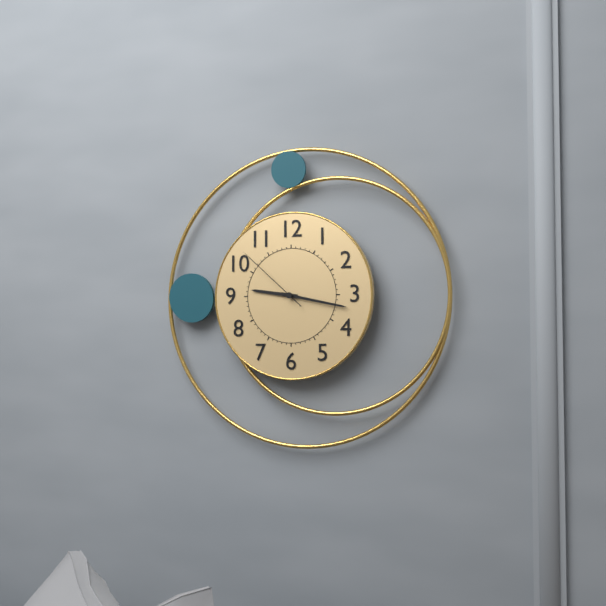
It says 9:17:52
